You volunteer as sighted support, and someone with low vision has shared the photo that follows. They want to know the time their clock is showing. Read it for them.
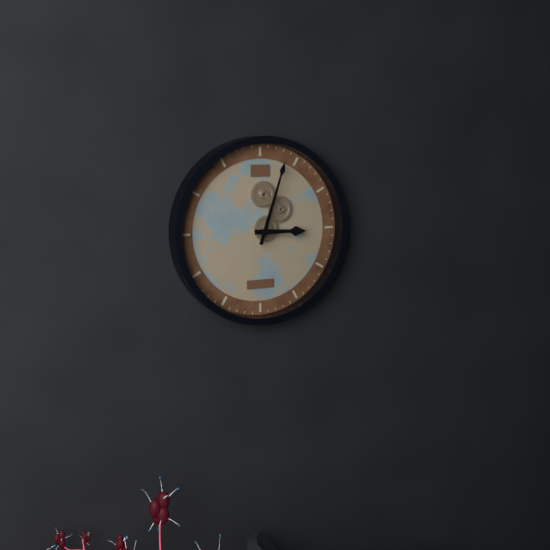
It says 3:03
